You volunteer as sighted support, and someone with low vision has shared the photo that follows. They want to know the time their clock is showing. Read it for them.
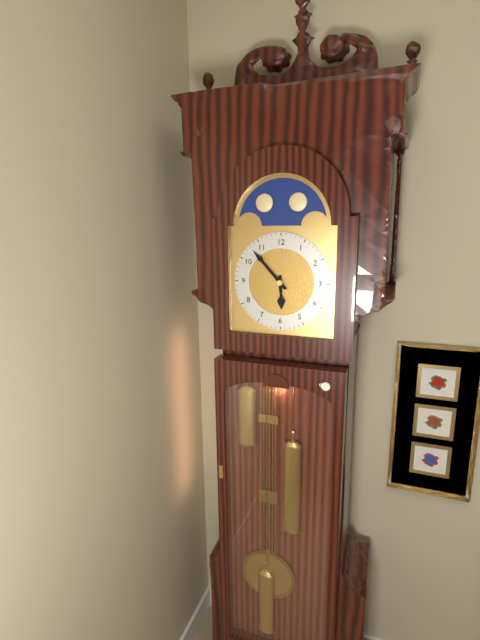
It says 5:53
